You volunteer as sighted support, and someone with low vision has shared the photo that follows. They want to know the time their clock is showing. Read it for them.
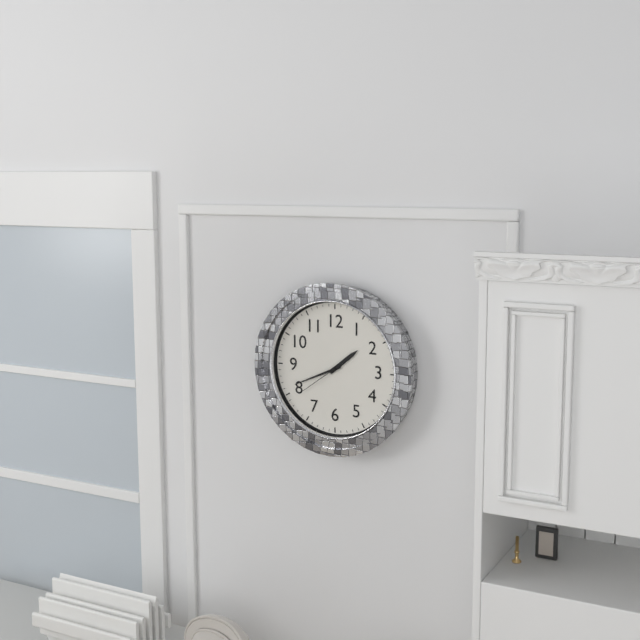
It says 1:41
